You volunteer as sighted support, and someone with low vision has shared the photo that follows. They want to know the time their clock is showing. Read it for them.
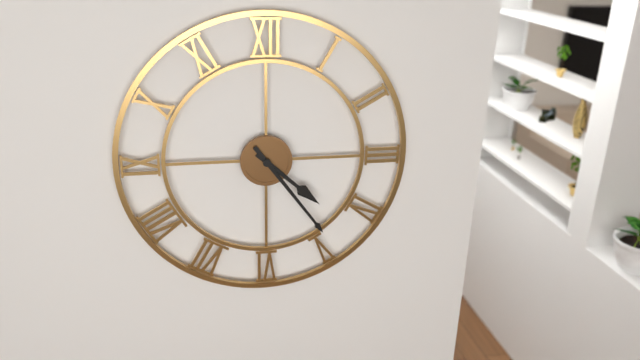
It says 4:24
